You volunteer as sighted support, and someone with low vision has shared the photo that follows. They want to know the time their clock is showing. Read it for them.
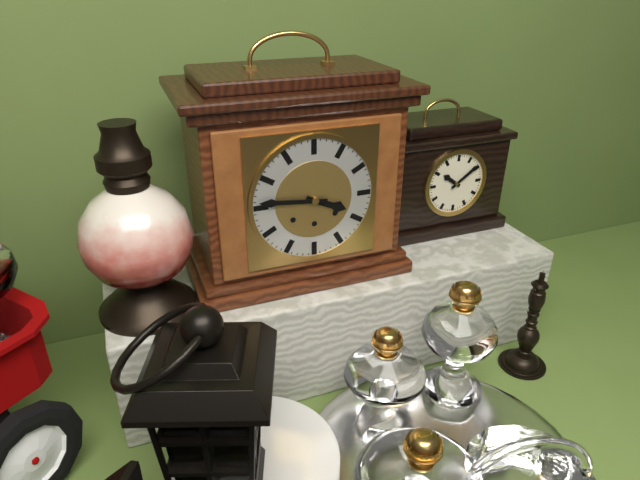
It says 3:46
